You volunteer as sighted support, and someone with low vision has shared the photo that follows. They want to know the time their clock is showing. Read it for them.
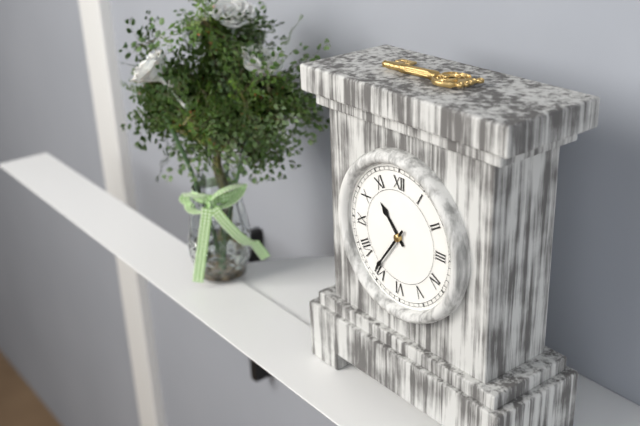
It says 10:36
